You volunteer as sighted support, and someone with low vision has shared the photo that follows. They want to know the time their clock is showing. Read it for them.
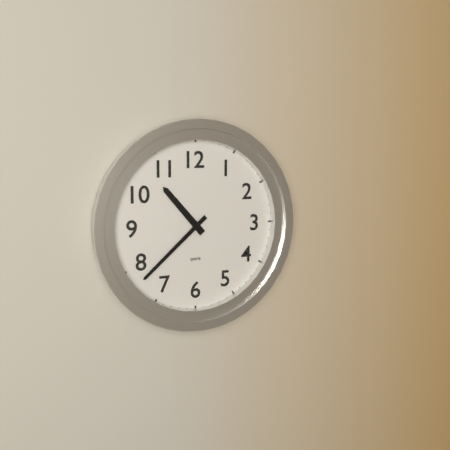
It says 10:38
